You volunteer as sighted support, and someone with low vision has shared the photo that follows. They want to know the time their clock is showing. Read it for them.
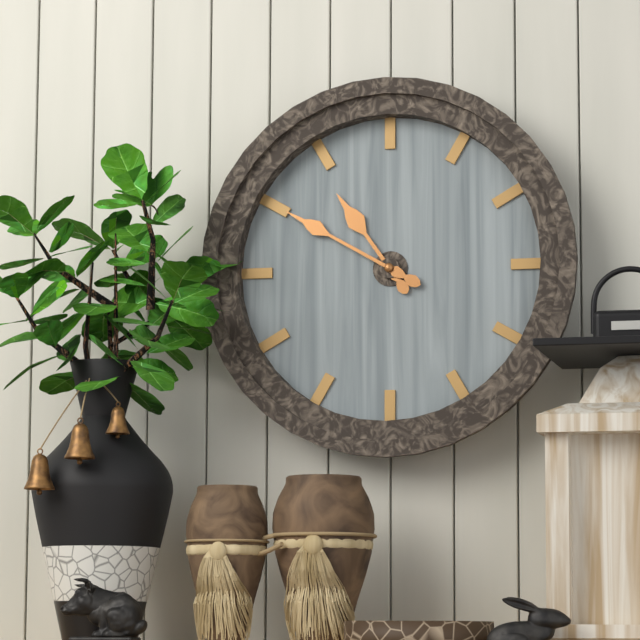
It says 10:50
